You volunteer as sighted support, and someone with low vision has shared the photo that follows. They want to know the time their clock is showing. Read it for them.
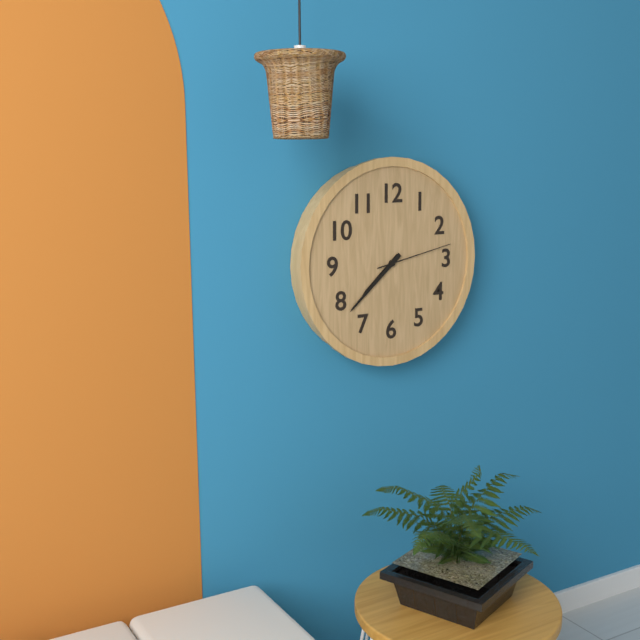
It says 7:38:13
